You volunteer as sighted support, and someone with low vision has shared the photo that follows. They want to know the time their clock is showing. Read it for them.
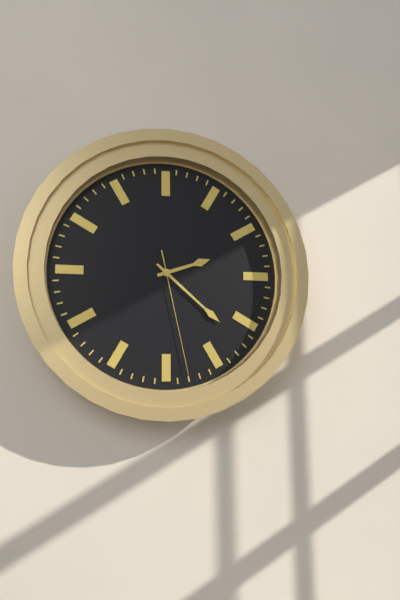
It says 2:22:28
